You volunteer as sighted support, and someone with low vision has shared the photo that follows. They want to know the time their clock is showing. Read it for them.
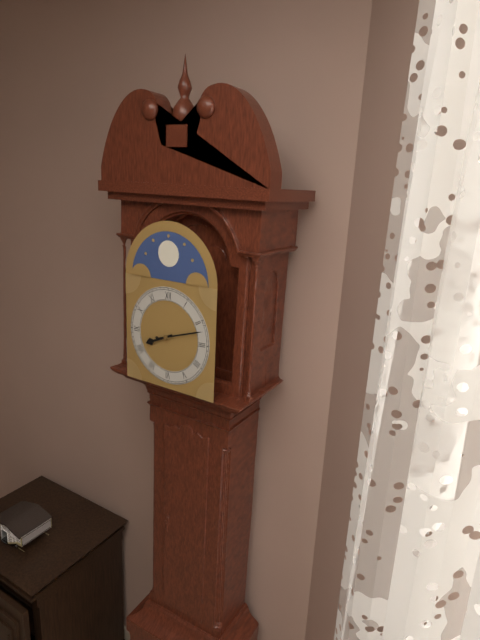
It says 8:12
